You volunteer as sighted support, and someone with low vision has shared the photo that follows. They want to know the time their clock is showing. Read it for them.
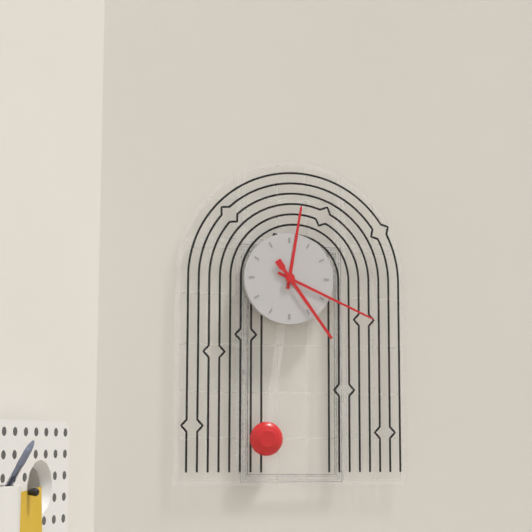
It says 12:19:24
